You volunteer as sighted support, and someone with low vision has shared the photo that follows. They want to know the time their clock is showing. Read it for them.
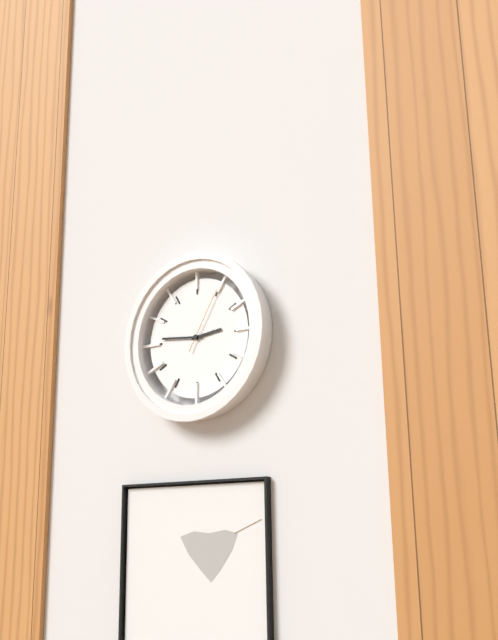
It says 2:46:05
